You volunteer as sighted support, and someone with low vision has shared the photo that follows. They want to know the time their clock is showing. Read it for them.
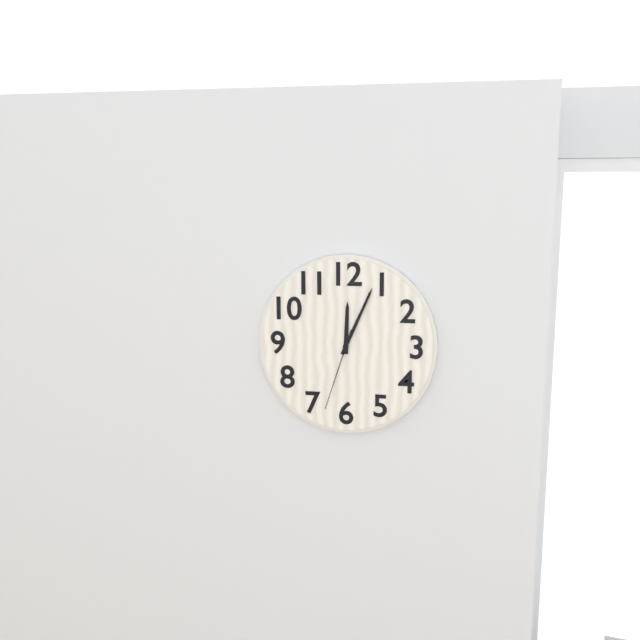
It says 12:04:33
